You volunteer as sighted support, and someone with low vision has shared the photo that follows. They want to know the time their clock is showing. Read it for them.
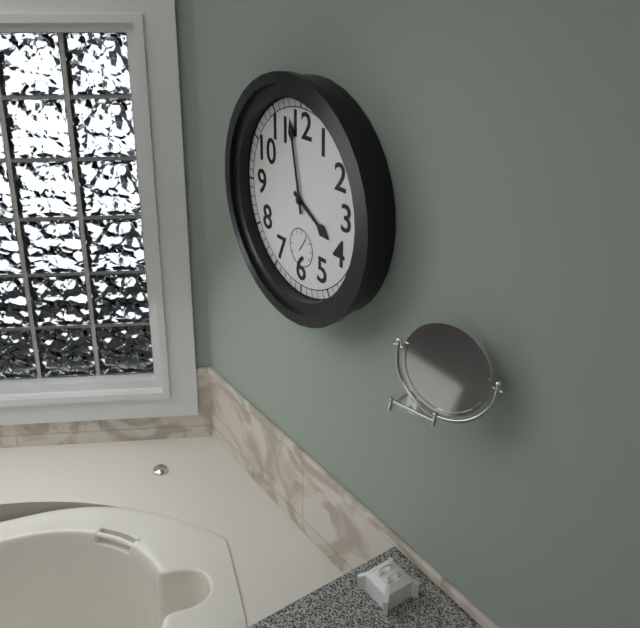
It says 3:58
